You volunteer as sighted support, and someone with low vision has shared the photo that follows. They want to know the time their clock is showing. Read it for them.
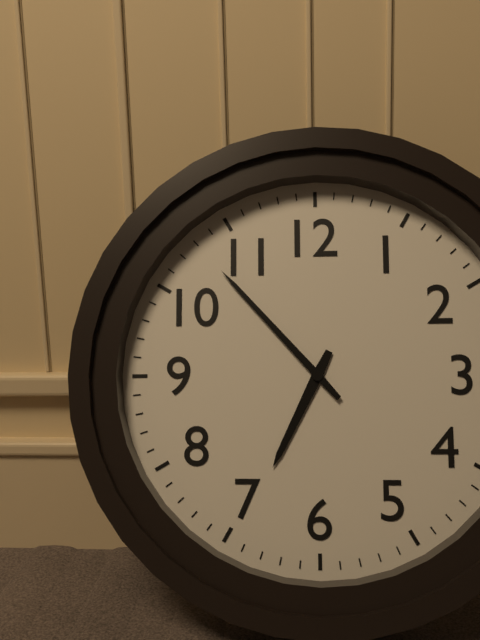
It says 6:53
